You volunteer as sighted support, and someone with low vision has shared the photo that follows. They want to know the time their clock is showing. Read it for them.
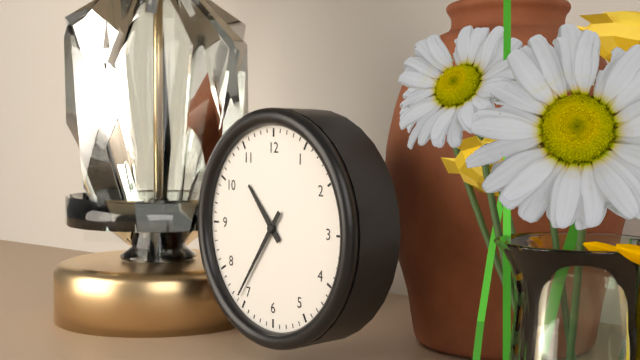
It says 10:36
